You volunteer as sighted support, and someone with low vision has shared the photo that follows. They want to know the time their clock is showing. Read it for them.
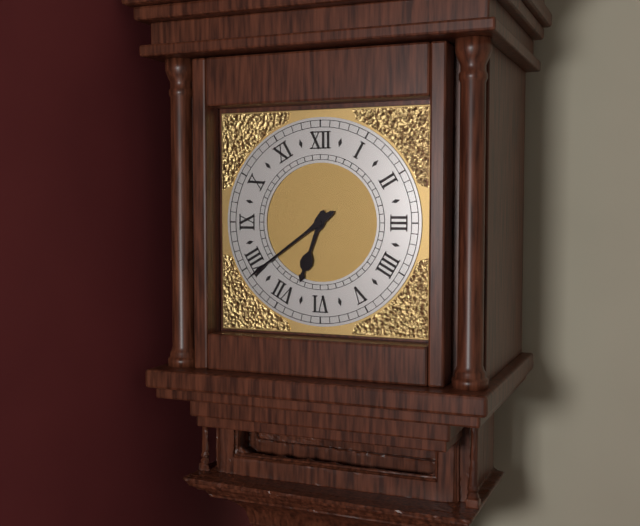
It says 6:39
